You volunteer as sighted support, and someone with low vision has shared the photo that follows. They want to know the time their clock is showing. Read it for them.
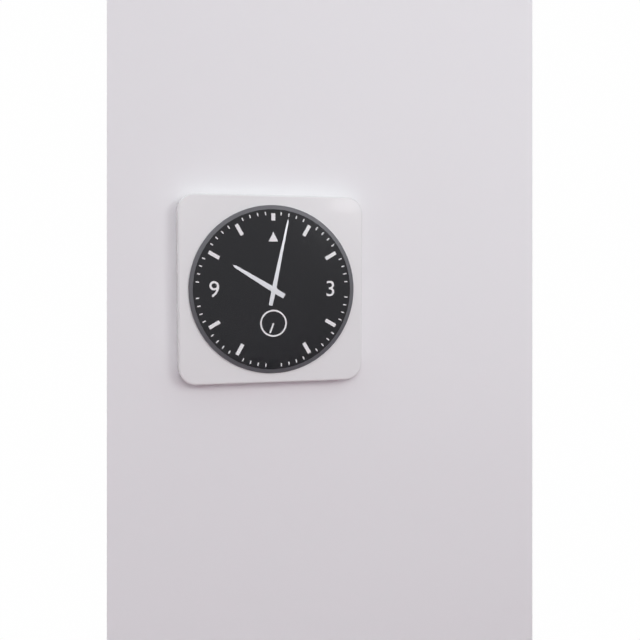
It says 10:02
